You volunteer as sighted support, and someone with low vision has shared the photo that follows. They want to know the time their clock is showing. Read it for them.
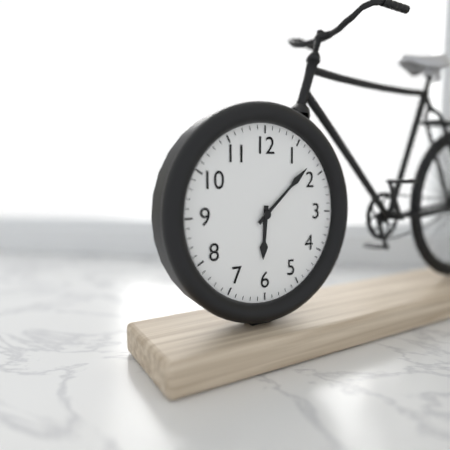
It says 6:08
